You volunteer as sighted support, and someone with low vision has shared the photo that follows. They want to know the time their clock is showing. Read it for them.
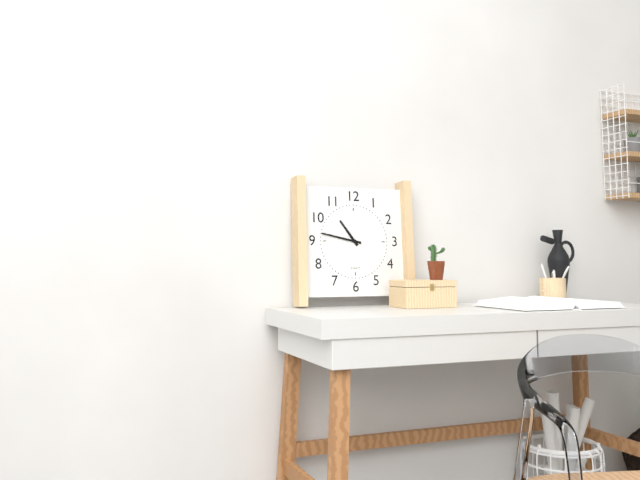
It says 10:47
